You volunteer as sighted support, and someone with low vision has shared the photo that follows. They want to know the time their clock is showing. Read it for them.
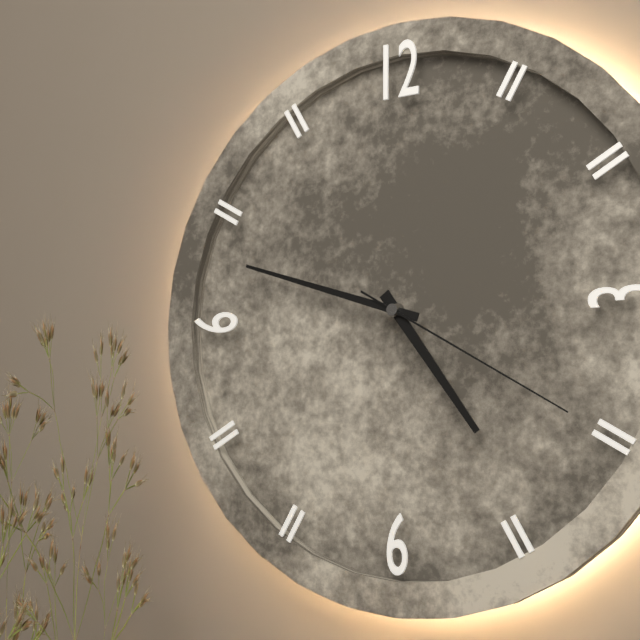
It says 4:48:20
